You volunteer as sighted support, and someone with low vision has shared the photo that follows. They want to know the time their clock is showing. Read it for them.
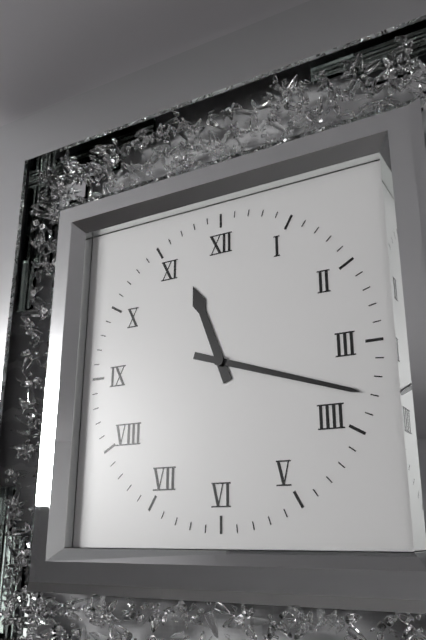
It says 11:18
